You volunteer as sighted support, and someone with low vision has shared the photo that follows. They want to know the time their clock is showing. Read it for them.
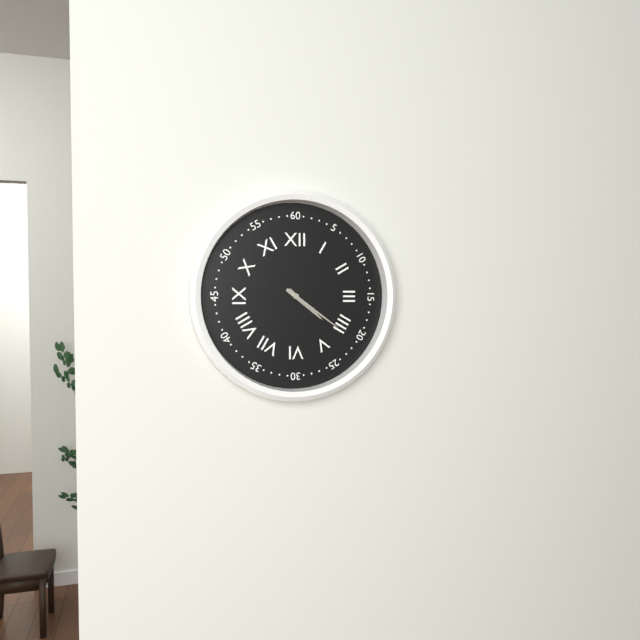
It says 4:21
